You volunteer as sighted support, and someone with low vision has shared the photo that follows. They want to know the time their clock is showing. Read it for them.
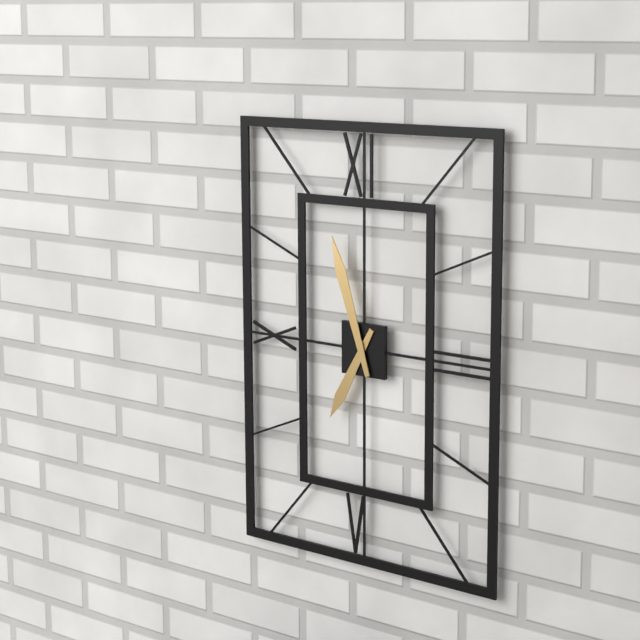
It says 6:57
